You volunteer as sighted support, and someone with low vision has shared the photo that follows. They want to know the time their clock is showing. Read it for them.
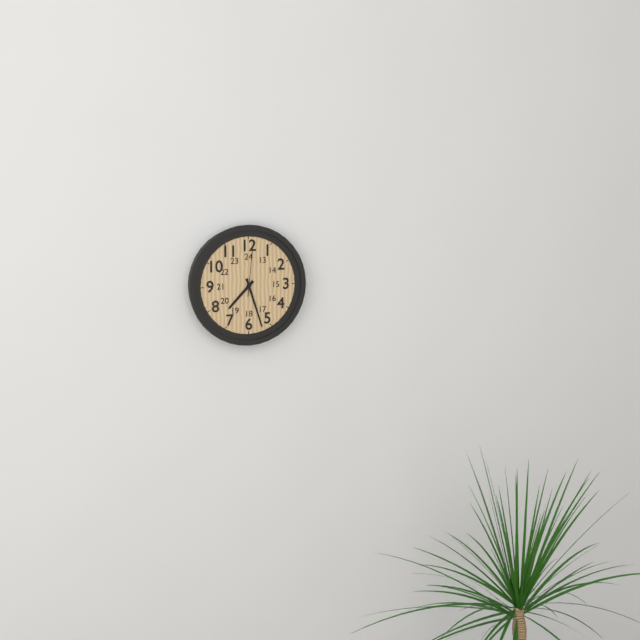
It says 7:27:01
